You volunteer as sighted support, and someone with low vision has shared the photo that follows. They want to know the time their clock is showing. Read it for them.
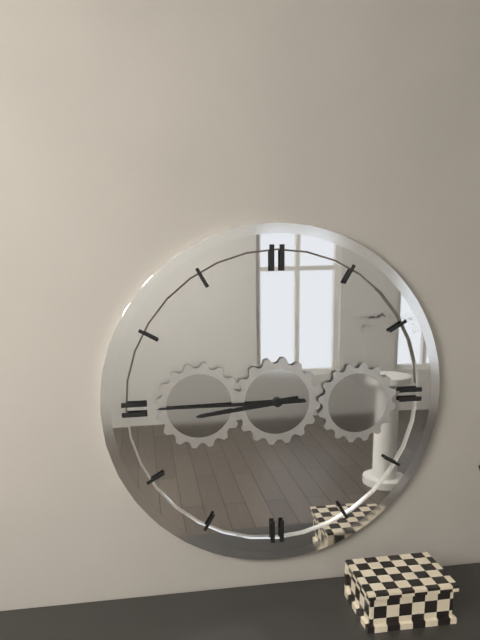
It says 8:45
